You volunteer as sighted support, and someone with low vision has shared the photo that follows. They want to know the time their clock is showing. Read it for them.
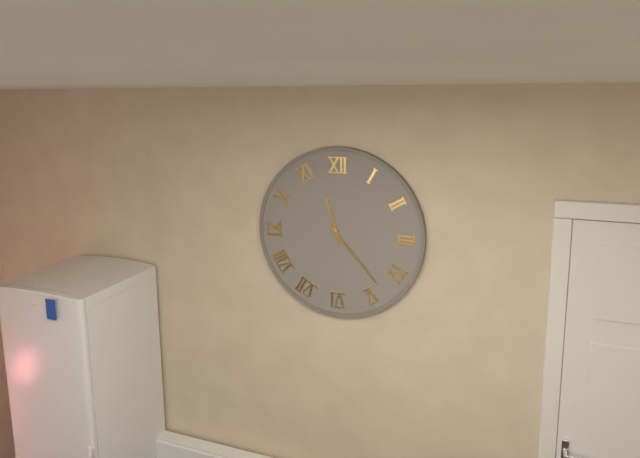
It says 11:23
